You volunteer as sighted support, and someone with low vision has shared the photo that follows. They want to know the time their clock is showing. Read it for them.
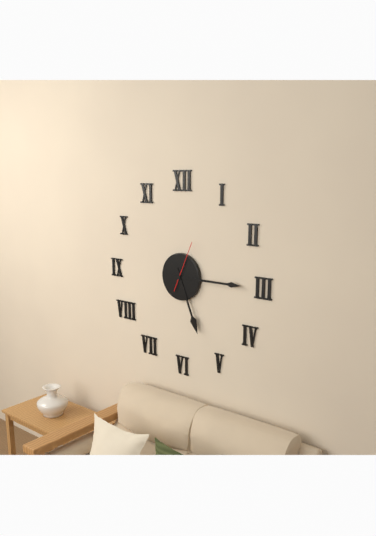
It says 5:15
